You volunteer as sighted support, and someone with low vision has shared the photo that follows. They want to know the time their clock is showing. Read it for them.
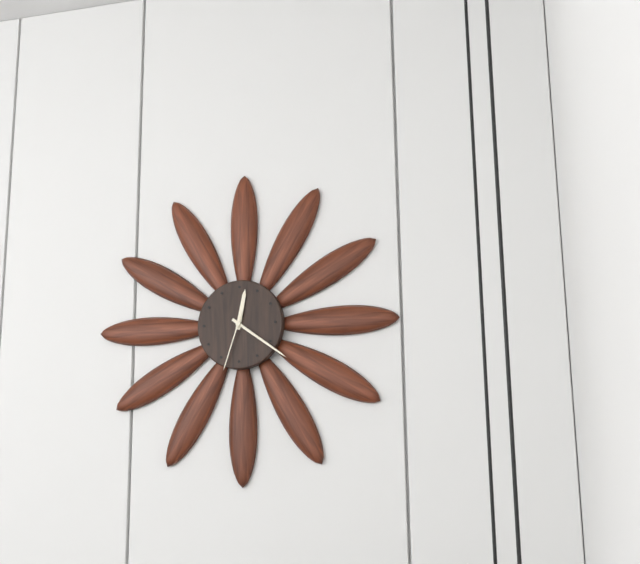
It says 12:21:33
